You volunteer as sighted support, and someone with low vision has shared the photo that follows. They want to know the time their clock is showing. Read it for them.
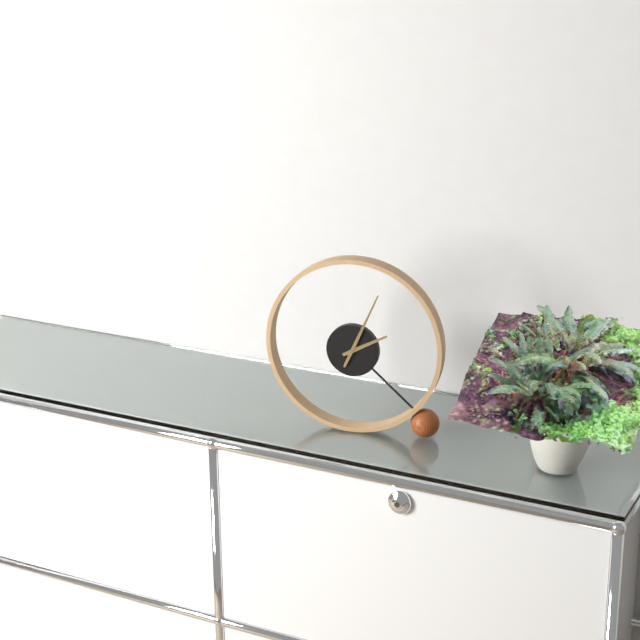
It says 2:04
